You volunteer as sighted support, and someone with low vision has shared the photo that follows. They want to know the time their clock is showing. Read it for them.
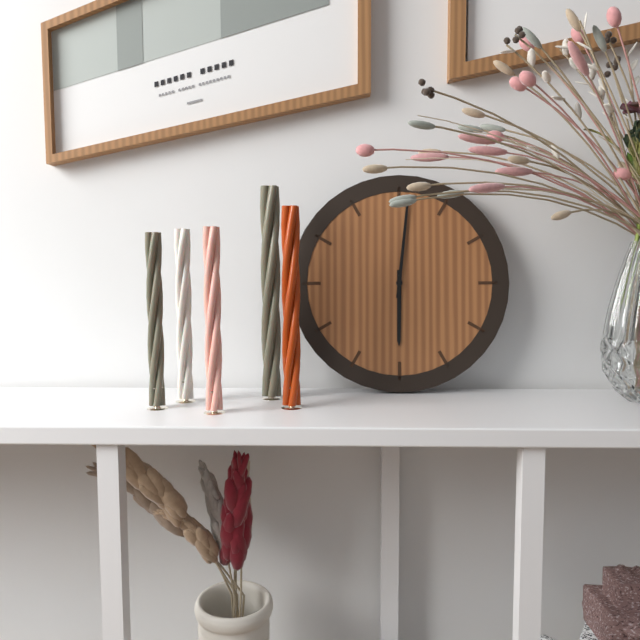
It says 6:01
